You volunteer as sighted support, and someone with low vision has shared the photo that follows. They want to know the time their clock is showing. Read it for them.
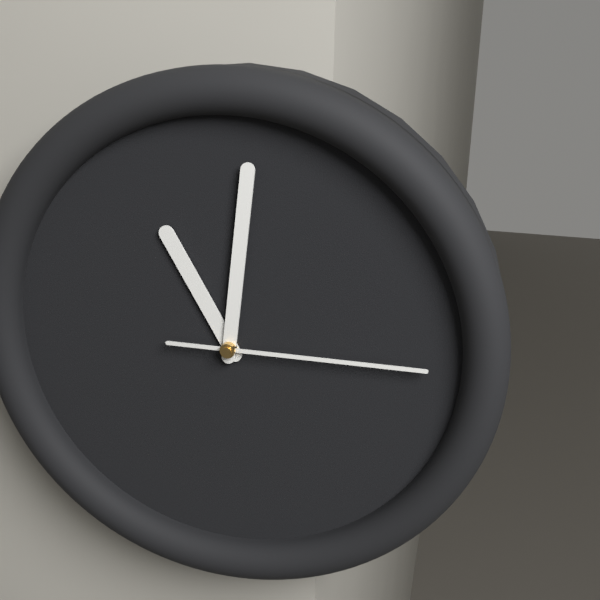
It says 11:01:15
